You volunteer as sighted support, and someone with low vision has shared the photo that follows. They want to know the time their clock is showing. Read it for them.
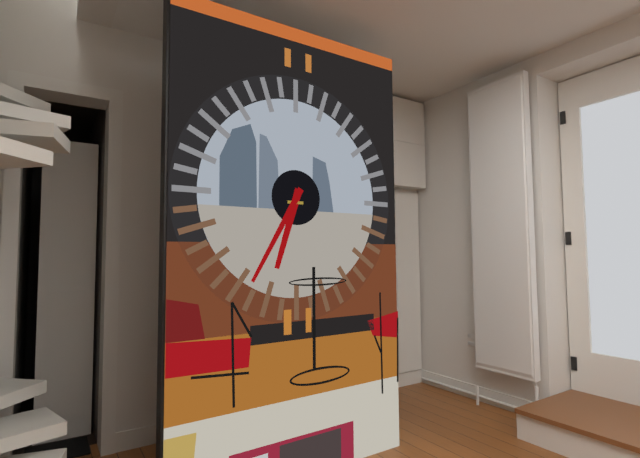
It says 6:35
